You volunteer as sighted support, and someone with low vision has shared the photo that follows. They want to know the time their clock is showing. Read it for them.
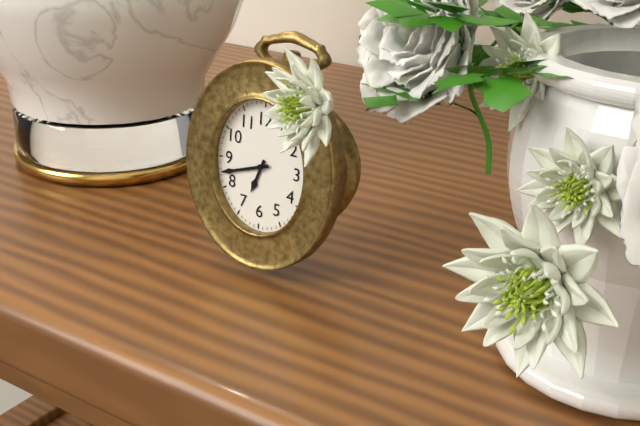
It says 6:42
